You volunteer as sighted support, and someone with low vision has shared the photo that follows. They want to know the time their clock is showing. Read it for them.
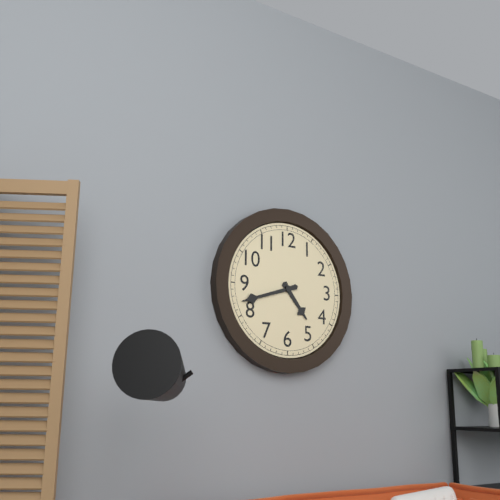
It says 4:42
